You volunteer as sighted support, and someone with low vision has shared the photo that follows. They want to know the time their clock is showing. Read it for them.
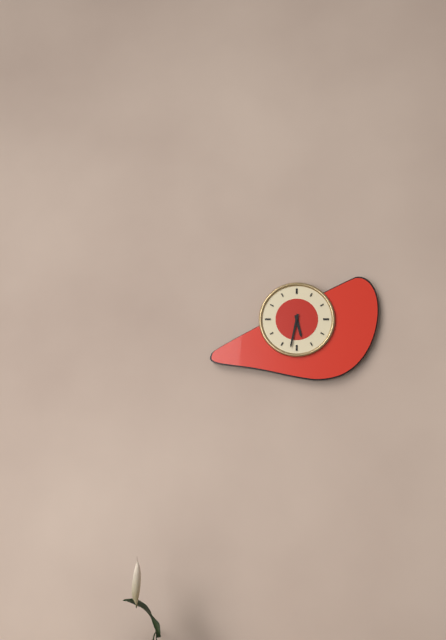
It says 5:32
